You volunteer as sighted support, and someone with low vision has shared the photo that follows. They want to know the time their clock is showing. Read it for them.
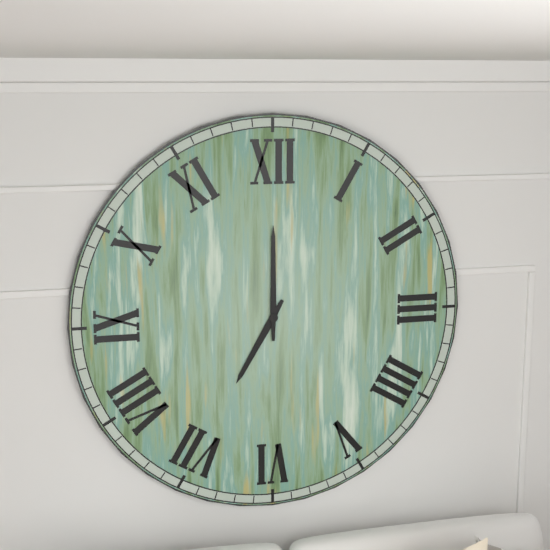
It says 7:00
